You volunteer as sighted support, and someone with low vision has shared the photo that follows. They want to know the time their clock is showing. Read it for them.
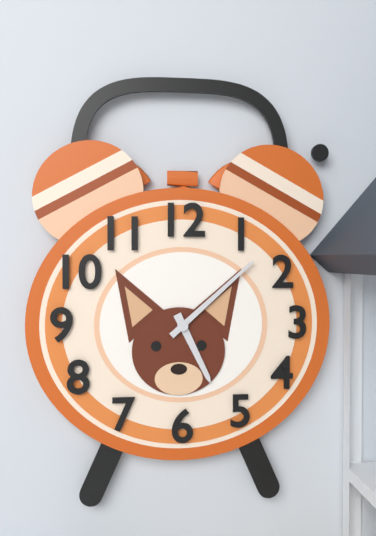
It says 5:08
